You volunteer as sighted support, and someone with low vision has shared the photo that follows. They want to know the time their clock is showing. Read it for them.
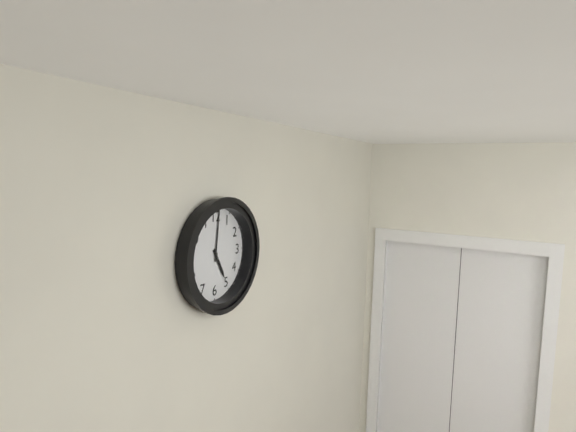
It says 5:01
